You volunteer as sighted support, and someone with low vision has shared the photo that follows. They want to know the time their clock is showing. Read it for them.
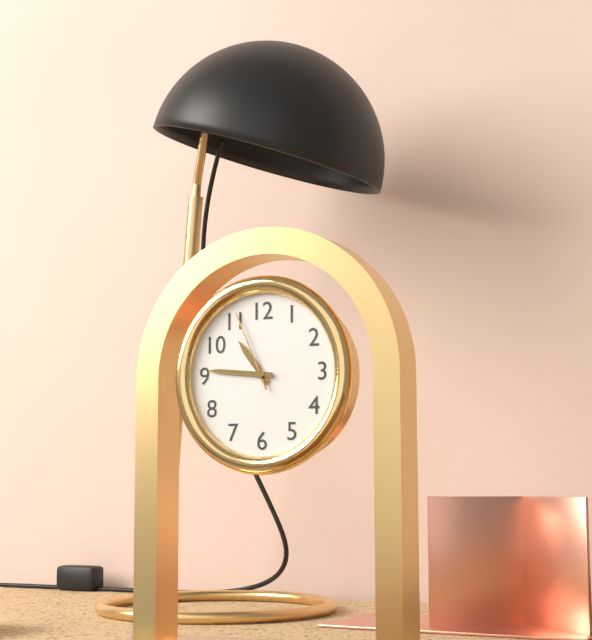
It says 10:46:56
